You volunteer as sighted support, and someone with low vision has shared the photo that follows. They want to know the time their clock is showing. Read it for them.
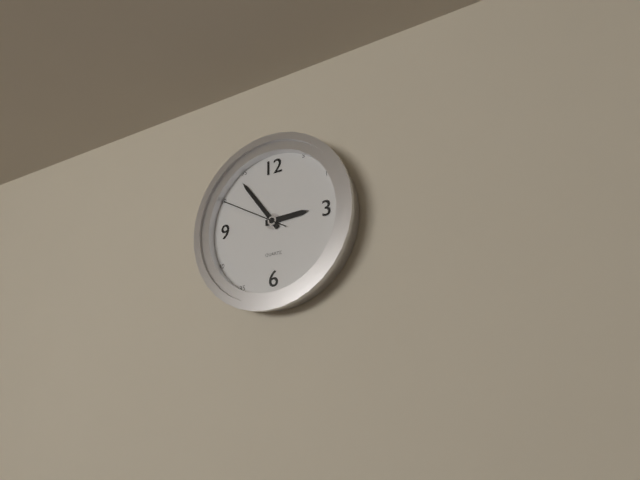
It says 2:54:50
